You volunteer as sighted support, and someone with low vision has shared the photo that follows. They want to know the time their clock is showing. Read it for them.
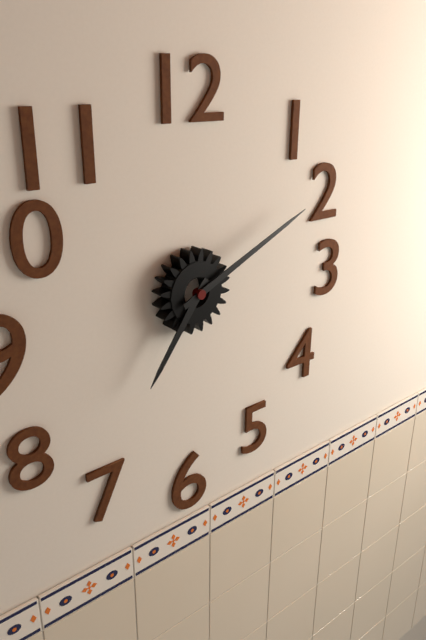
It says 7:11
